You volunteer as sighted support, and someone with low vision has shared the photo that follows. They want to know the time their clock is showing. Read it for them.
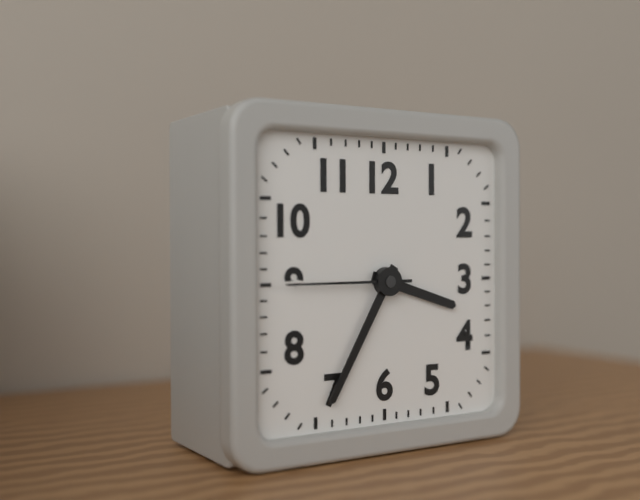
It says 3:35:45
